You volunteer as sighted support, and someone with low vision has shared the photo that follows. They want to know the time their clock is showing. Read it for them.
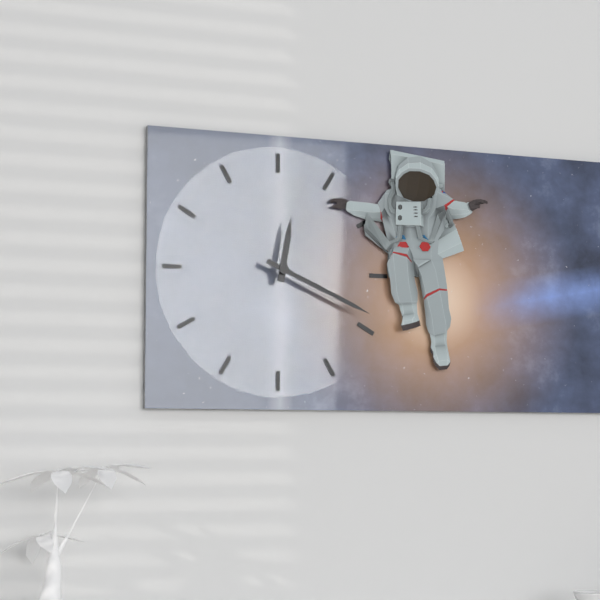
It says 12:19
